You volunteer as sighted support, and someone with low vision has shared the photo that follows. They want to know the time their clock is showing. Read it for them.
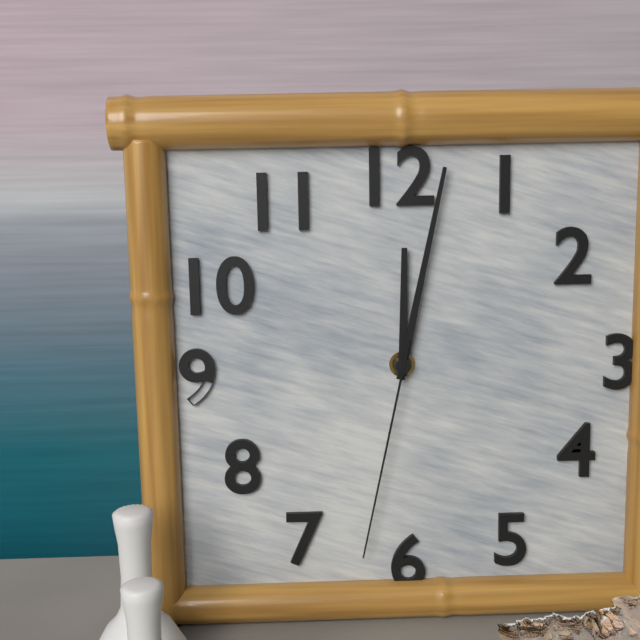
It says 12:02:32
